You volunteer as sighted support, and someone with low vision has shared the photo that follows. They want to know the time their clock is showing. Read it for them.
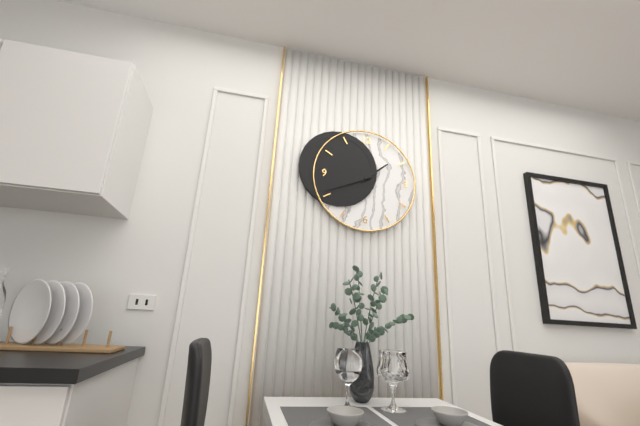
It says 1:41
